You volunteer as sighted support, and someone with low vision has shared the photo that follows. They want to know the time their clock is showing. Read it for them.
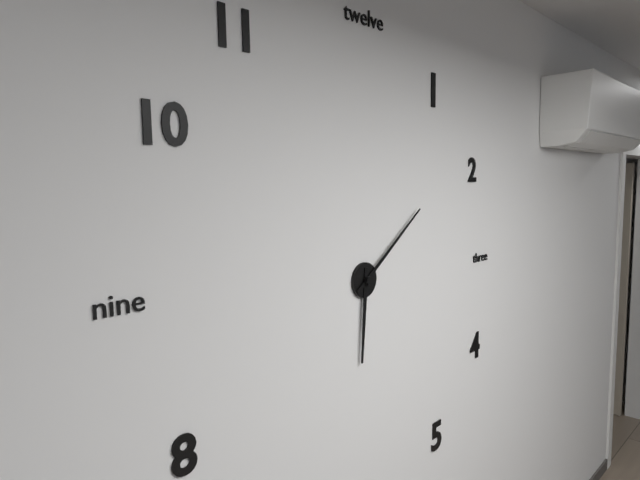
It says 6:09
